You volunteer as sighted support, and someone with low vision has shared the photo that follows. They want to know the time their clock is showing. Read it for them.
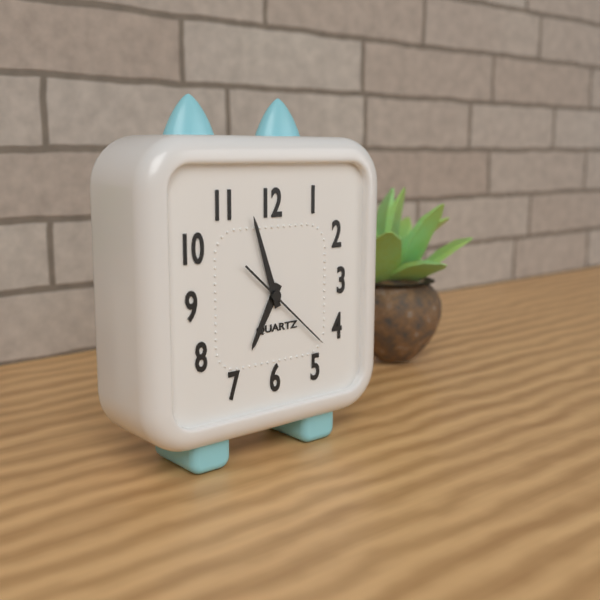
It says 6:57:22
